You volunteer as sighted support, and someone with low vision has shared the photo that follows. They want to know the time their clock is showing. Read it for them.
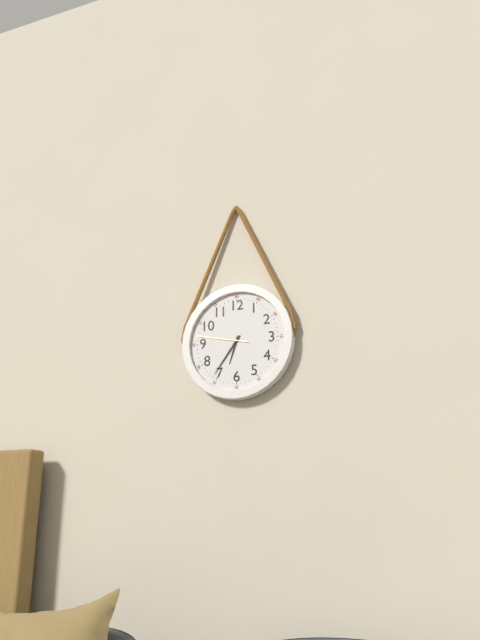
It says 6:36
